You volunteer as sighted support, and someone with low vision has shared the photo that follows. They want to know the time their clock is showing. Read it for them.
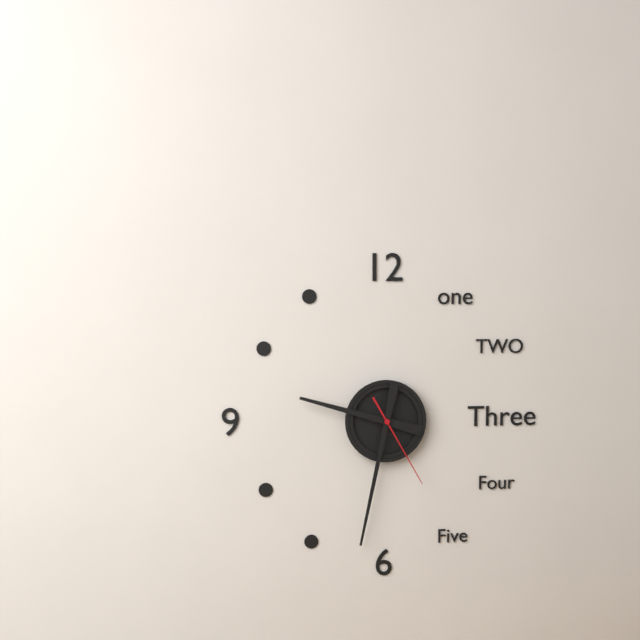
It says 9:32:25
